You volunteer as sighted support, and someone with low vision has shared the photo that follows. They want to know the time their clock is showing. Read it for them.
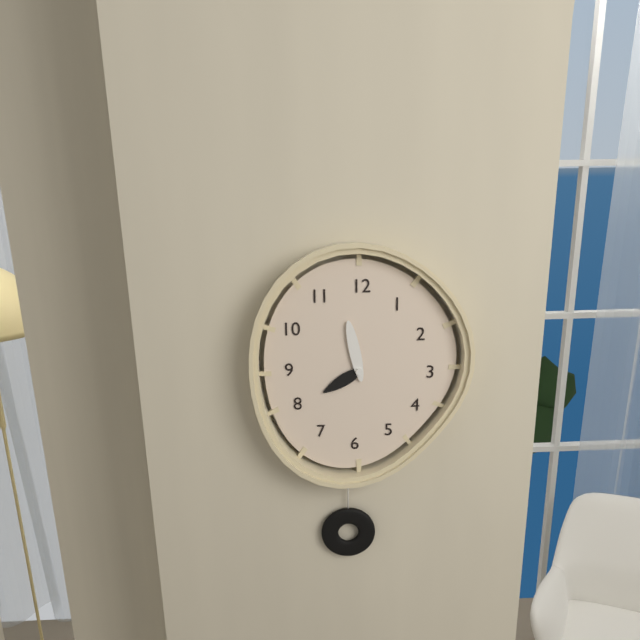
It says 7:58
